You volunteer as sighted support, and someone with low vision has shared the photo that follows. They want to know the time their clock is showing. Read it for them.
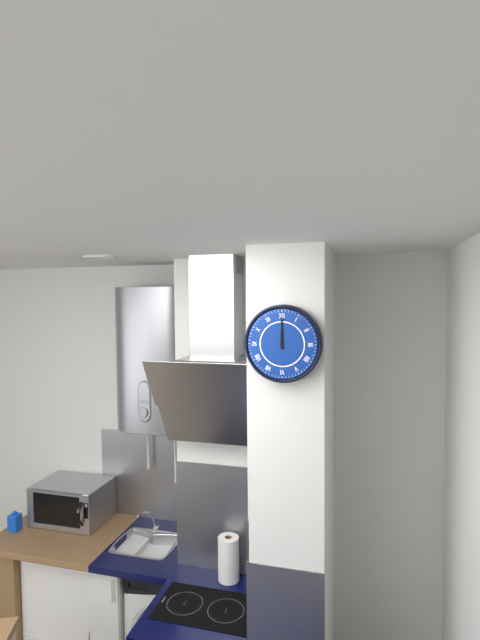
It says 12:00
